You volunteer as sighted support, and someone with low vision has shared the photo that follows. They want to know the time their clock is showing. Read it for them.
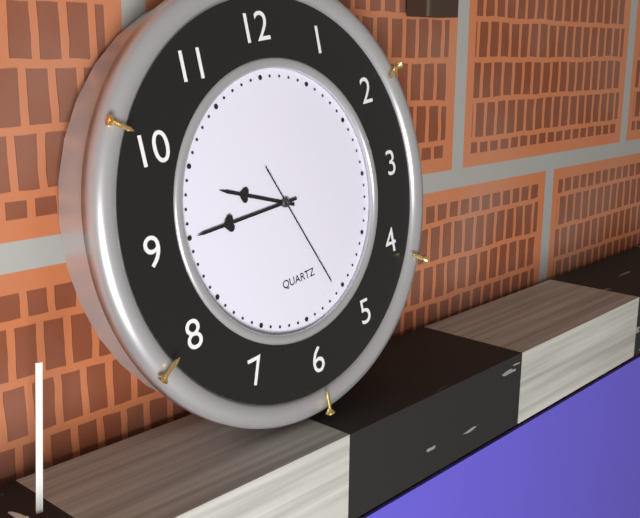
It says 9:45:26
